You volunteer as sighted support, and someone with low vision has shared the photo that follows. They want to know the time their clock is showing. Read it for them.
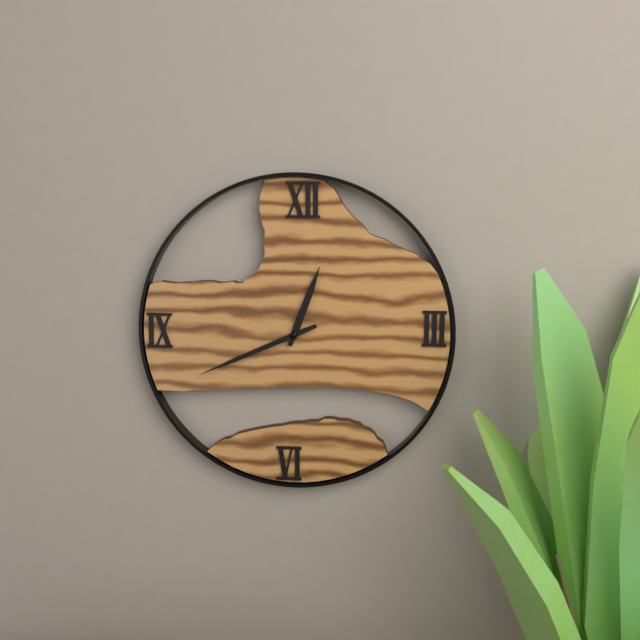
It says 12:41
